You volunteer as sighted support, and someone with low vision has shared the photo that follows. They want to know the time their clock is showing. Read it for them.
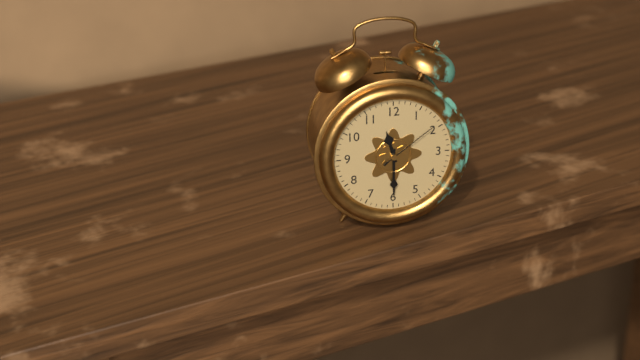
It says 11:30:09
